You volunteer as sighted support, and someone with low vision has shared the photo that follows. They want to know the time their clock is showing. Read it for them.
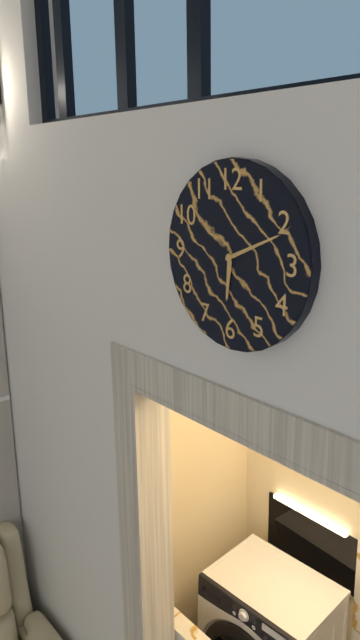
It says 6:11
